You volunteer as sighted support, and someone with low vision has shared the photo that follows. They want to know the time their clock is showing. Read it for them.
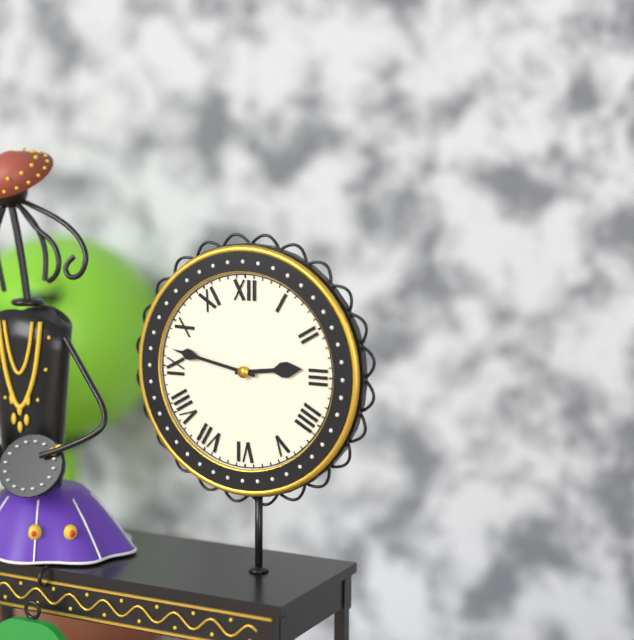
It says 2:47
